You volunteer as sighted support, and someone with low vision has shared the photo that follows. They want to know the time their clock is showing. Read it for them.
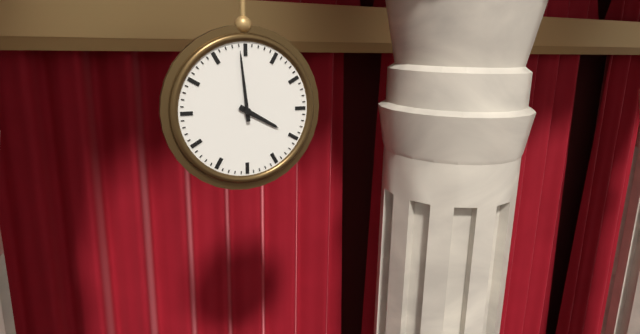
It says 3:59
